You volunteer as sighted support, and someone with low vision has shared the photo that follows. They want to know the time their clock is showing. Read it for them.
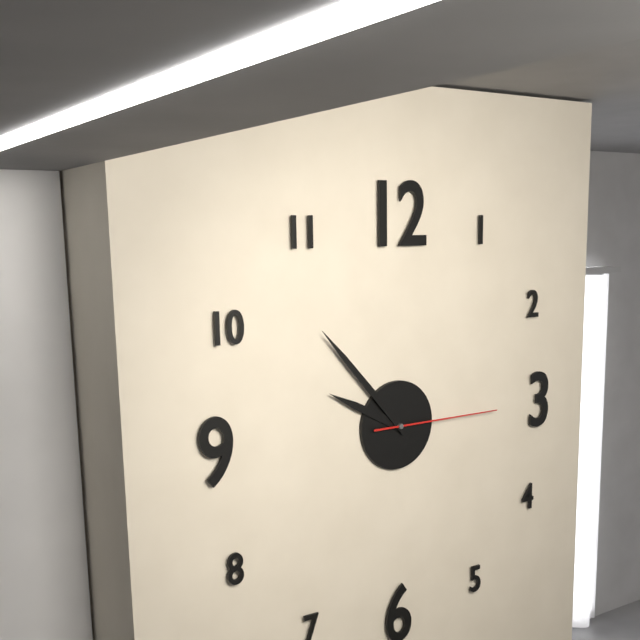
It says 9:53:15
